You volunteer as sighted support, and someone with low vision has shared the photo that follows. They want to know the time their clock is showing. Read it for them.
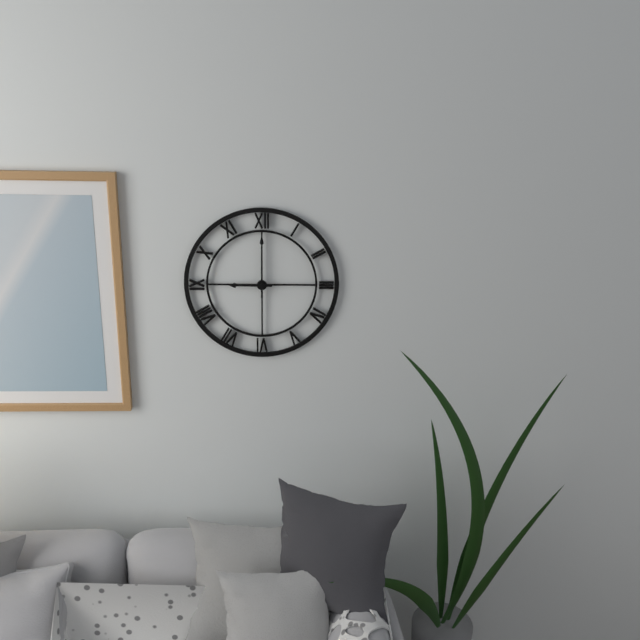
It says 9:00
